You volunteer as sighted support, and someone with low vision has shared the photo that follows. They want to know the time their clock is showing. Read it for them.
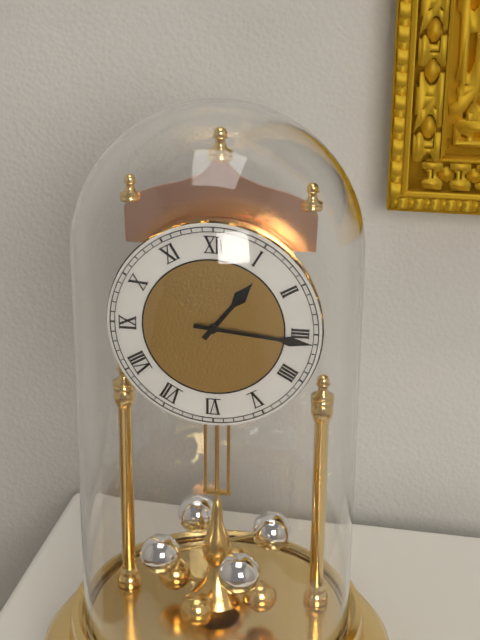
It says 1:16
